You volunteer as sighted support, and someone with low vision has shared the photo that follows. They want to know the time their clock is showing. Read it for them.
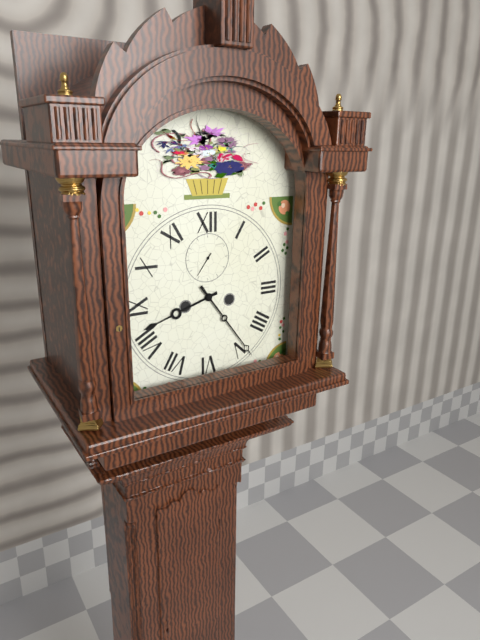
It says 8:24
